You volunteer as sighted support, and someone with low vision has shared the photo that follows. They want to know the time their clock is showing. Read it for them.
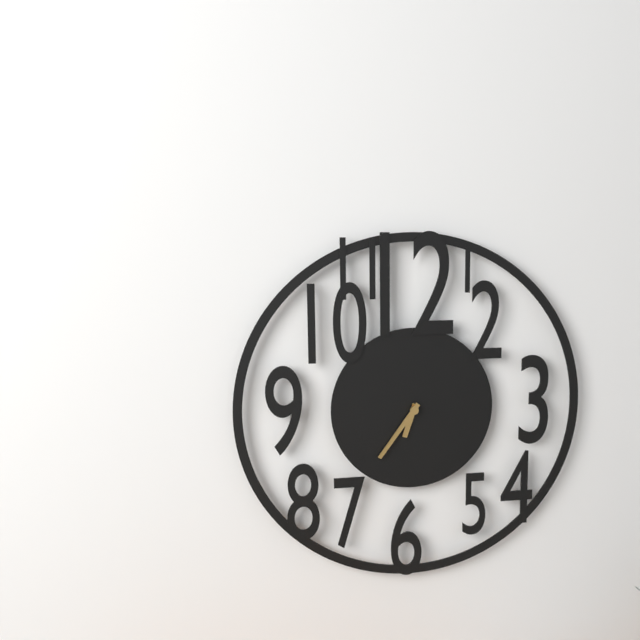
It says 6:36
